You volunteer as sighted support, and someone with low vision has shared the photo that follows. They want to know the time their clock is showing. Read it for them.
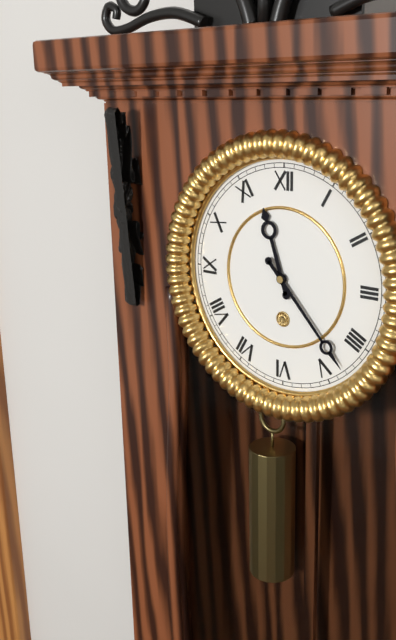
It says 11:23
